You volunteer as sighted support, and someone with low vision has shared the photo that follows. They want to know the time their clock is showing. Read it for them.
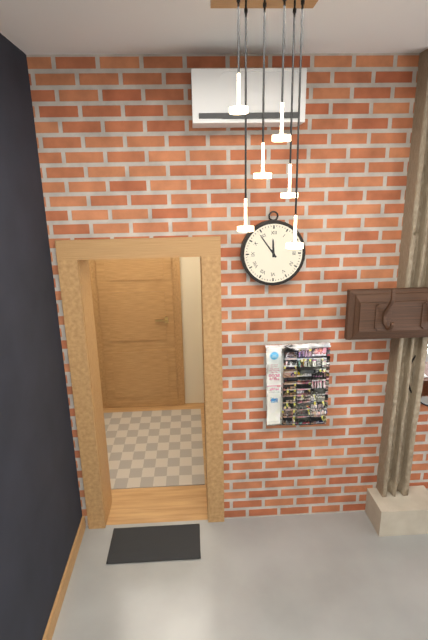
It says 11:54
